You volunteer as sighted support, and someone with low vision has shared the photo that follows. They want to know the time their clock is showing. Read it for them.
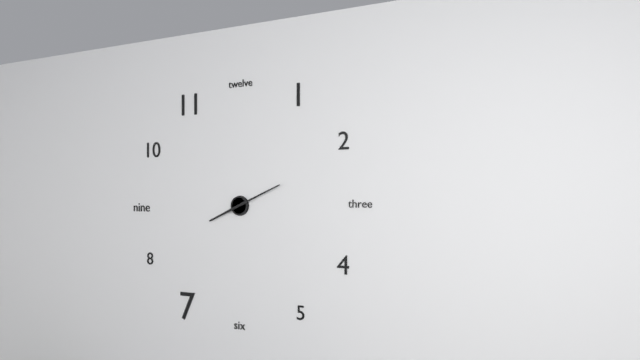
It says 8:11
